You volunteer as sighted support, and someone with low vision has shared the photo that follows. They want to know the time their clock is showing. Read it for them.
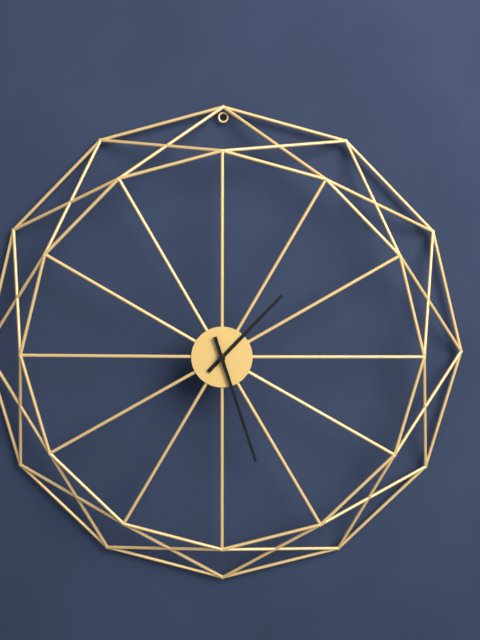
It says 1:27
